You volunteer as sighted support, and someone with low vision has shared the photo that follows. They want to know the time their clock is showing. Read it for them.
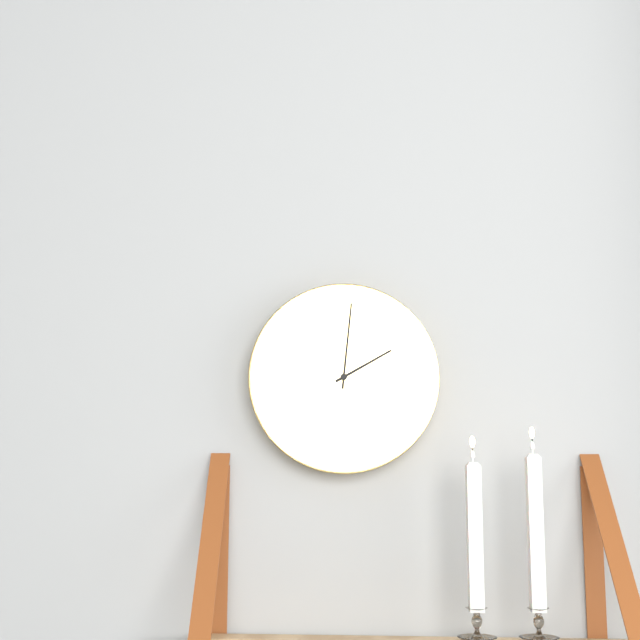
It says 2:01
